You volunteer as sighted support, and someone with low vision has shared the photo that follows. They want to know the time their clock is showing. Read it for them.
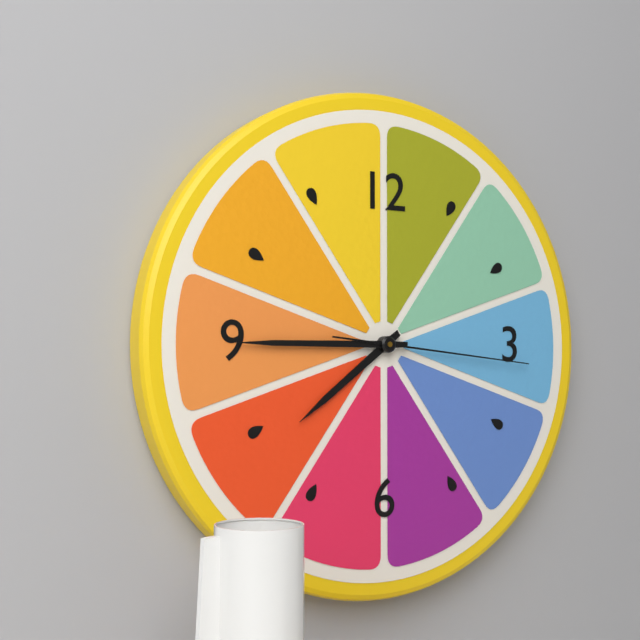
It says 7:45:16
